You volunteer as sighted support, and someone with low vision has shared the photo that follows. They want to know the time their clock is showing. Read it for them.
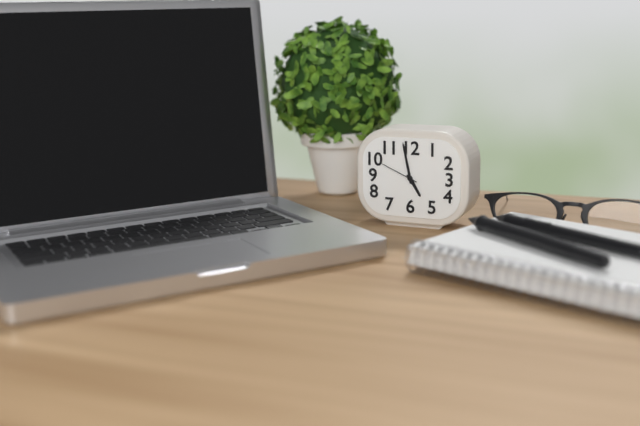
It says 4:58
